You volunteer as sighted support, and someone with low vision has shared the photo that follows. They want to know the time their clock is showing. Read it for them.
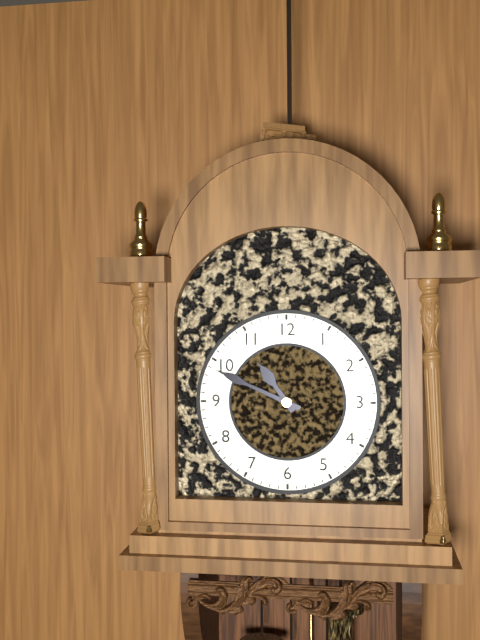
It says 10:49
